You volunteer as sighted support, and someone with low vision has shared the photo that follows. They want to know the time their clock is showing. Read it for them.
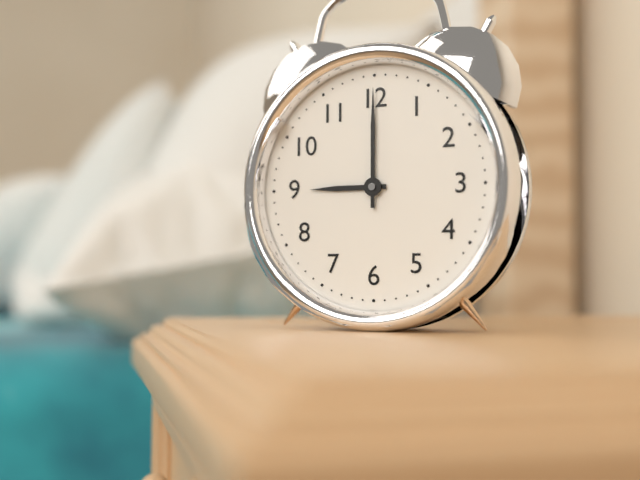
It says 9:00
